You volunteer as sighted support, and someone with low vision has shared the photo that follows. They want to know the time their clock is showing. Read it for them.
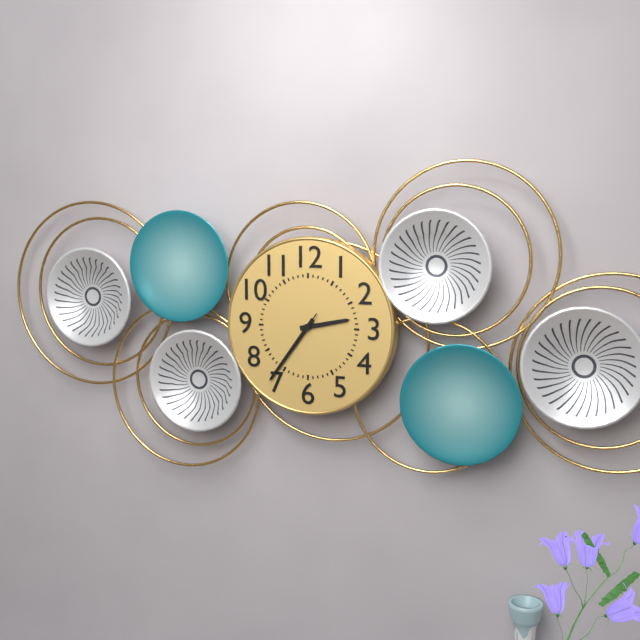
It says 2:36:36
